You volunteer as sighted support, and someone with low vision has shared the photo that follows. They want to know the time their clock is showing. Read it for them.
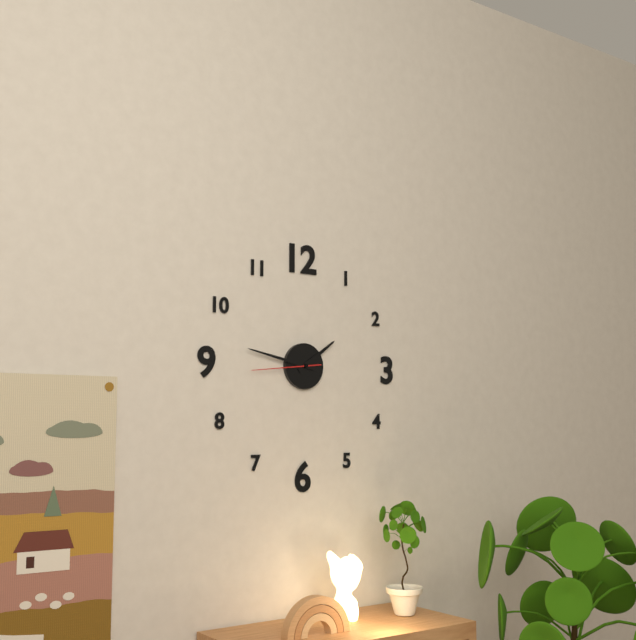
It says 1:47:44
